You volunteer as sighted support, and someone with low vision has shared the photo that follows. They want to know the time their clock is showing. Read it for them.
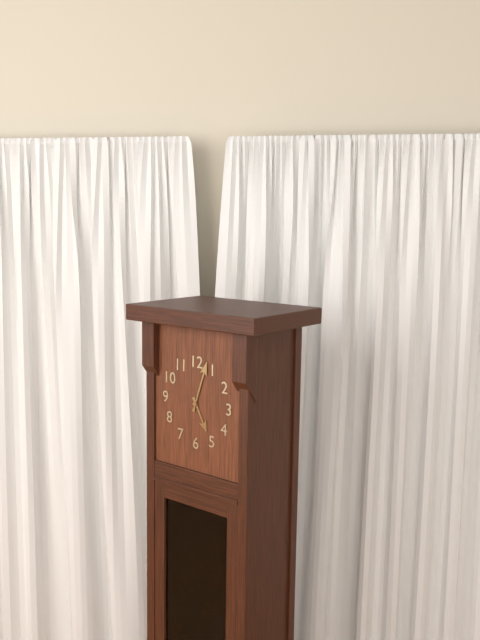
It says 5:03
